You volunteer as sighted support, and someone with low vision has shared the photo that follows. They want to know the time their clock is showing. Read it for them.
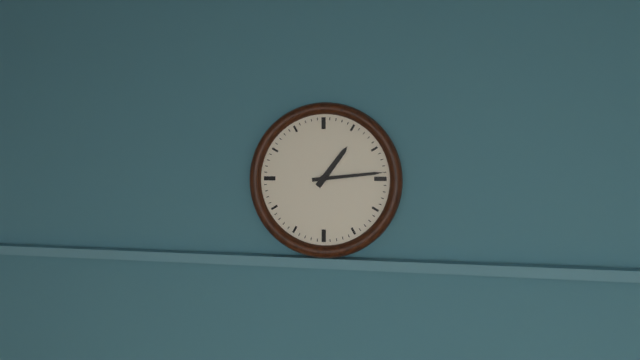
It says 1:14
